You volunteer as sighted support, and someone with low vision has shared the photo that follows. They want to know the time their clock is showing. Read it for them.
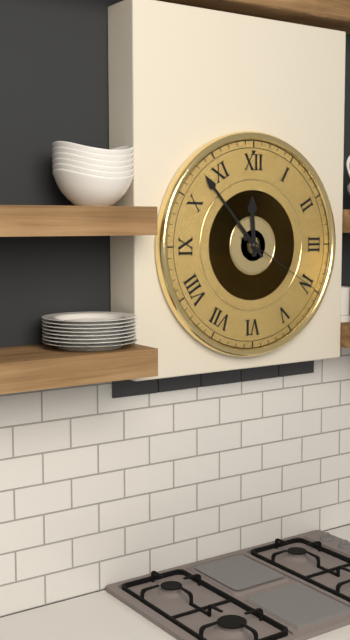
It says 11:53:20
